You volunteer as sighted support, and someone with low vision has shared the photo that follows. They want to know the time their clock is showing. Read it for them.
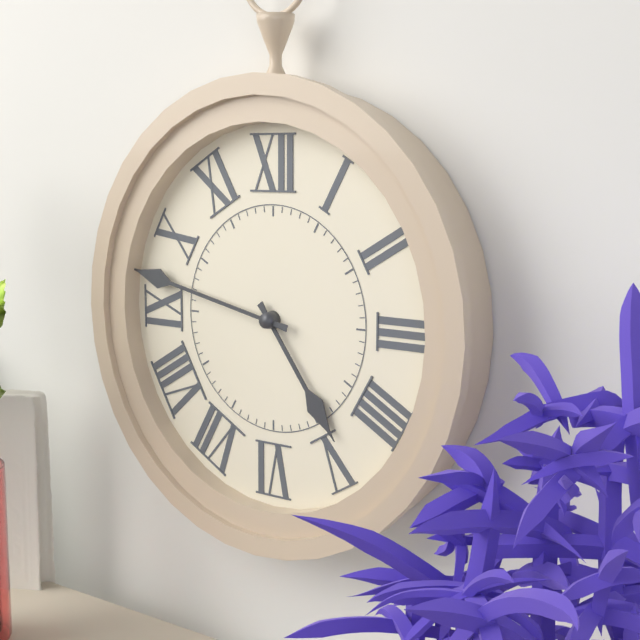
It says 4:47
